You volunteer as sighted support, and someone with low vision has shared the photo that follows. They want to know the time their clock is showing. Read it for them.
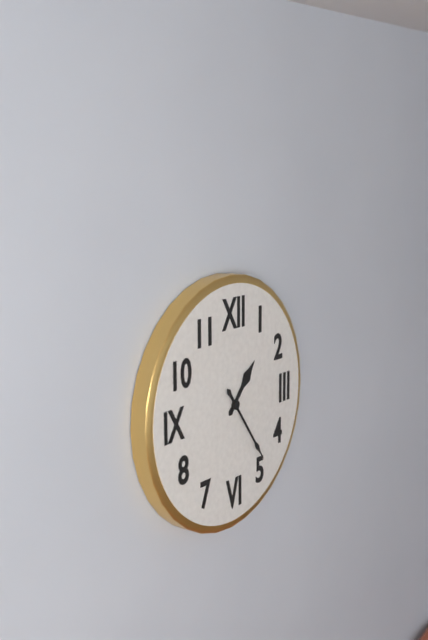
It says 1:24
